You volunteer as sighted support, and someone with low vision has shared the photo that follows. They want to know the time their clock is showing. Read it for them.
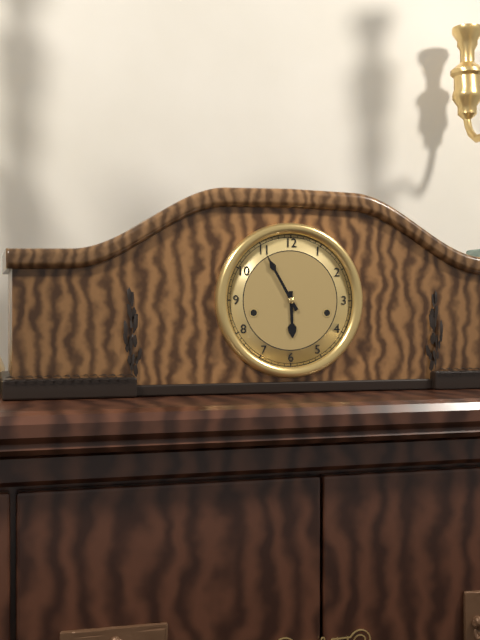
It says 5:55
